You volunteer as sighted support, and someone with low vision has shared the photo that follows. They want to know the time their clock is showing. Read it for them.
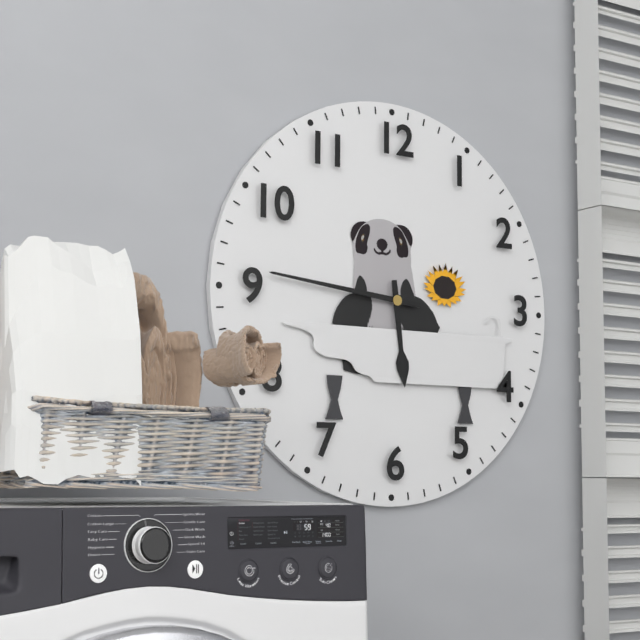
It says 5:46
